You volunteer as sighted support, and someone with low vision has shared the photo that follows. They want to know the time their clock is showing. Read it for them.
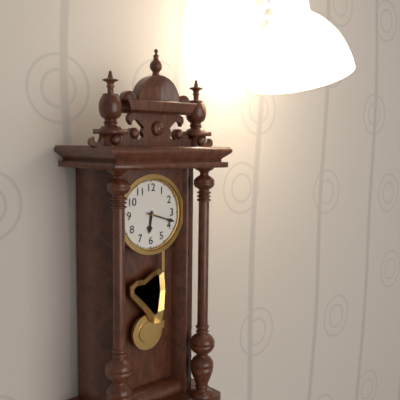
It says 6:18
